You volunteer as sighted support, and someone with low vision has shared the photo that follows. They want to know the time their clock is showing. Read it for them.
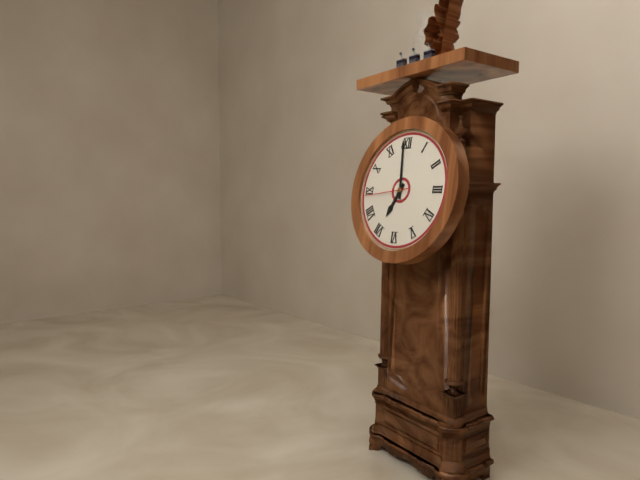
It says 6:59
